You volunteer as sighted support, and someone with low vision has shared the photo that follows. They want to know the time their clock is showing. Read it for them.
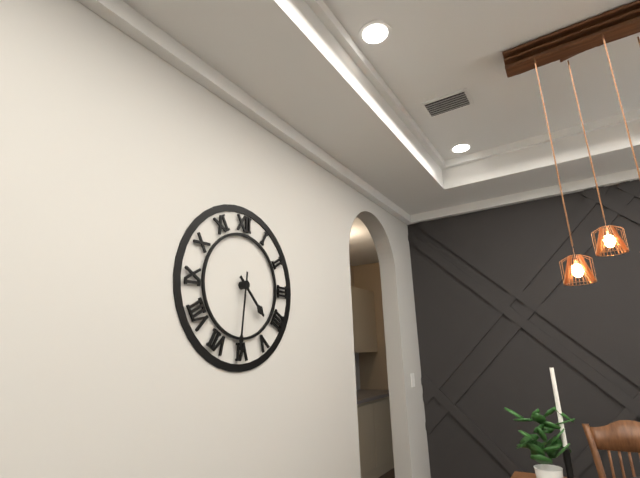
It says 4:31
